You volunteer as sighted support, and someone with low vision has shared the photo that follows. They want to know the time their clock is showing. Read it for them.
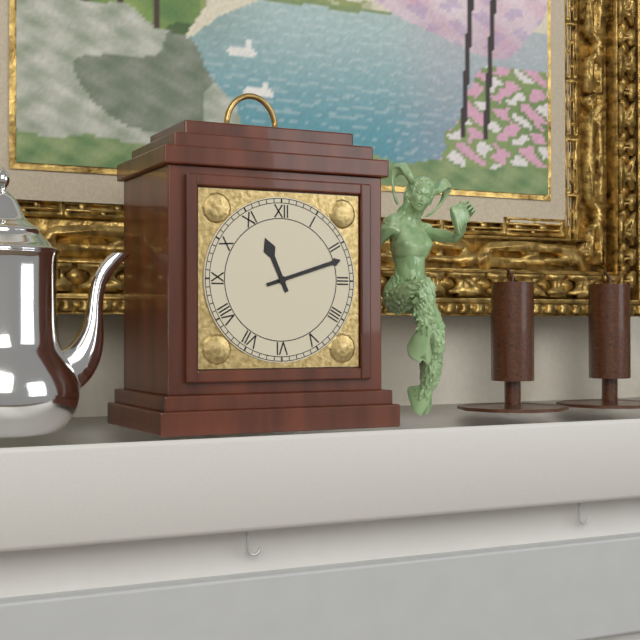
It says 11:12
